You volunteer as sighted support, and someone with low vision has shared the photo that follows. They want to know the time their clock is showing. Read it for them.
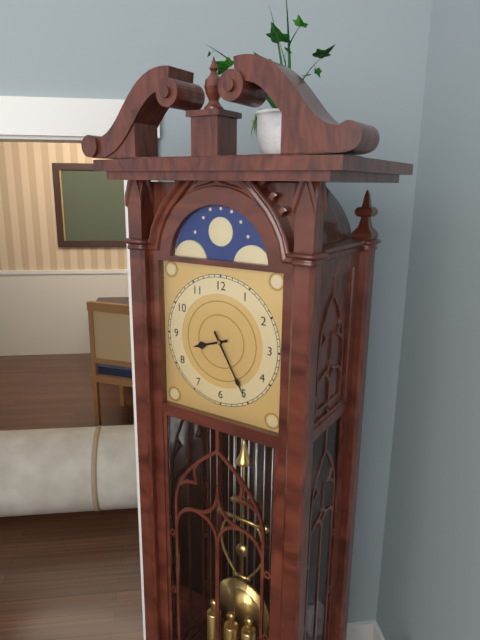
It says 8:25
